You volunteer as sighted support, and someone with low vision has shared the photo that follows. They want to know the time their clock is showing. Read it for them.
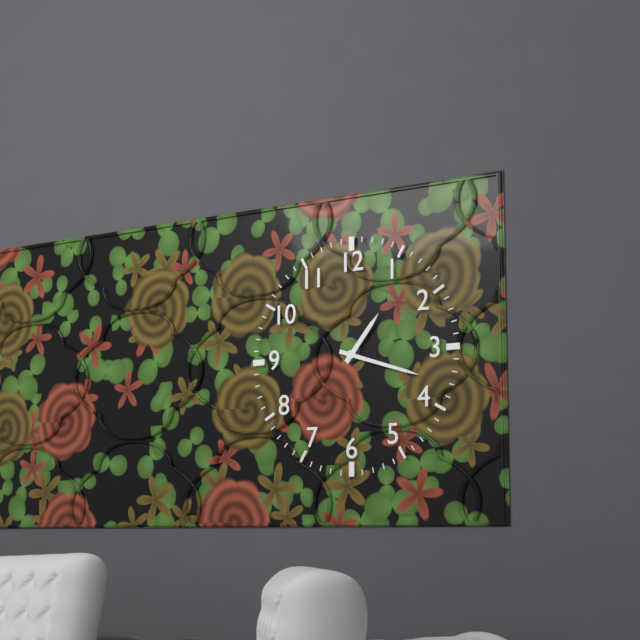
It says 1:18
